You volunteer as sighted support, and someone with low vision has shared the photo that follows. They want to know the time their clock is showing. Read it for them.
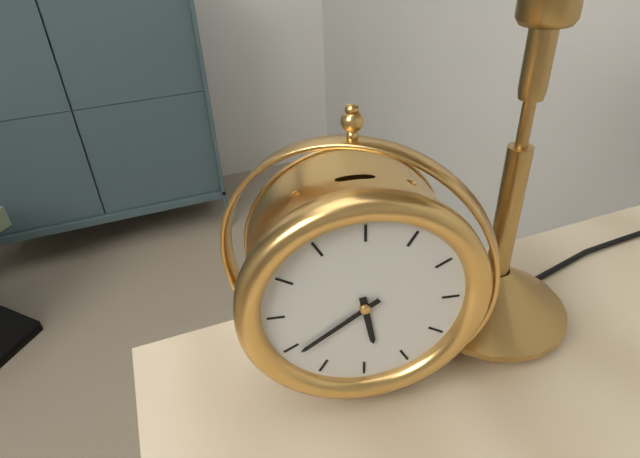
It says 5:39
